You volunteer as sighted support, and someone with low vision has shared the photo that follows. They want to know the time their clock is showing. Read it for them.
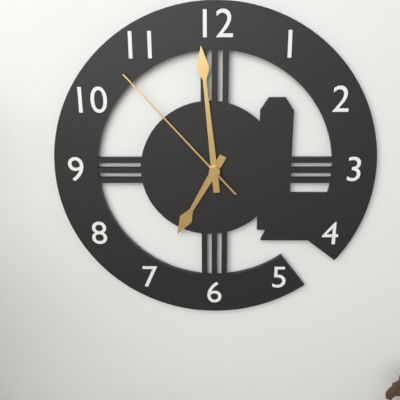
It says 6:59:53
